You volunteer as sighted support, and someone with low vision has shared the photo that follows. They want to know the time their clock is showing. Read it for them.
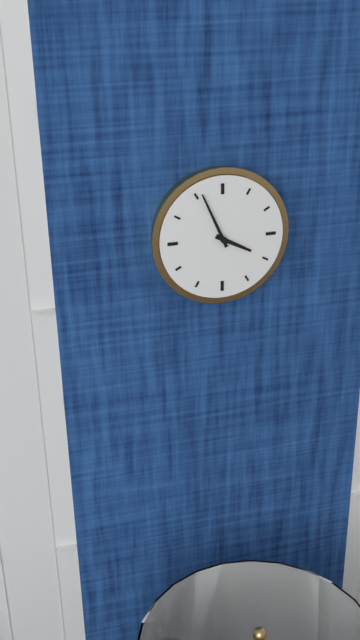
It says 3:56
